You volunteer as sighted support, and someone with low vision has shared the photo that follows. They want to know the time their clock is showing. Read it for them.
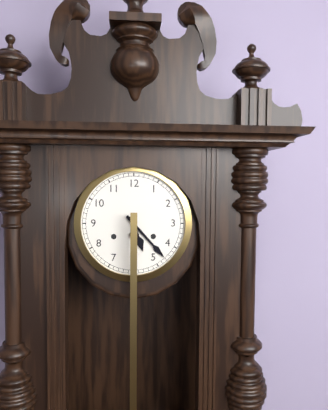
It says 5:23
